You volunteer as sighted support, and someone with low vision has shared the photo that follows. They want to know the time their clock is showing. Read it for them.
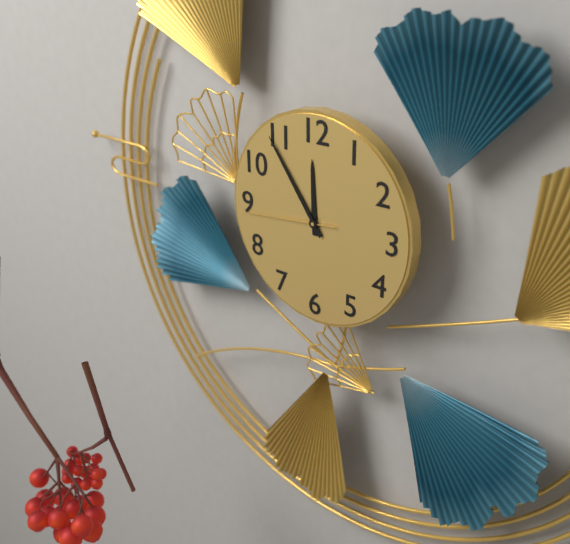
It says 11:54:44
